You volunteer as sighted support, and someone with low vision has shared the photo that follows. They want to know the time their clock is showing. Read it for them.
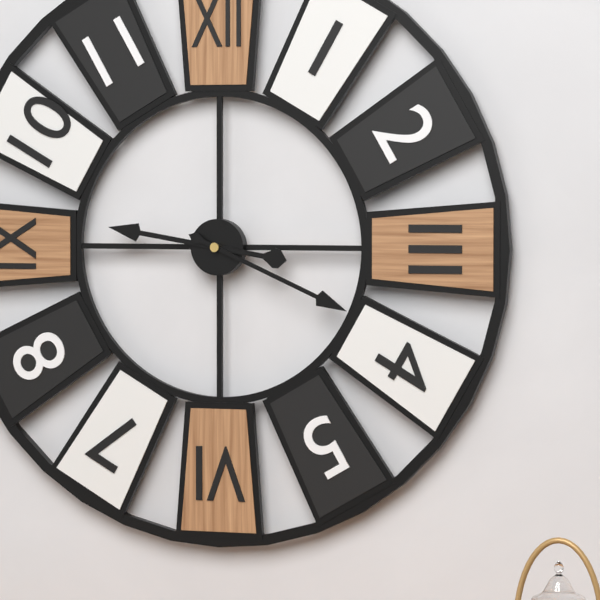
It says 9:19
